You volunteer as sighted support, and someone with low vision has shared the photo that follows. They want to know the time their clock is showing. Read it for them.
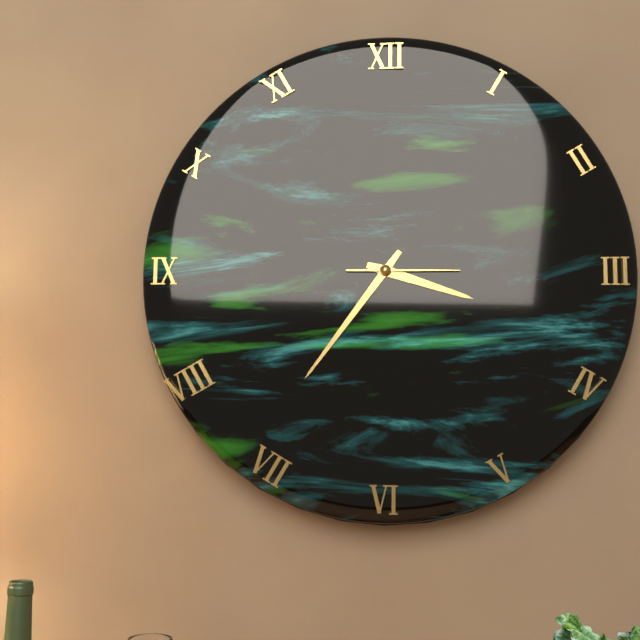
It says 3:36:15
